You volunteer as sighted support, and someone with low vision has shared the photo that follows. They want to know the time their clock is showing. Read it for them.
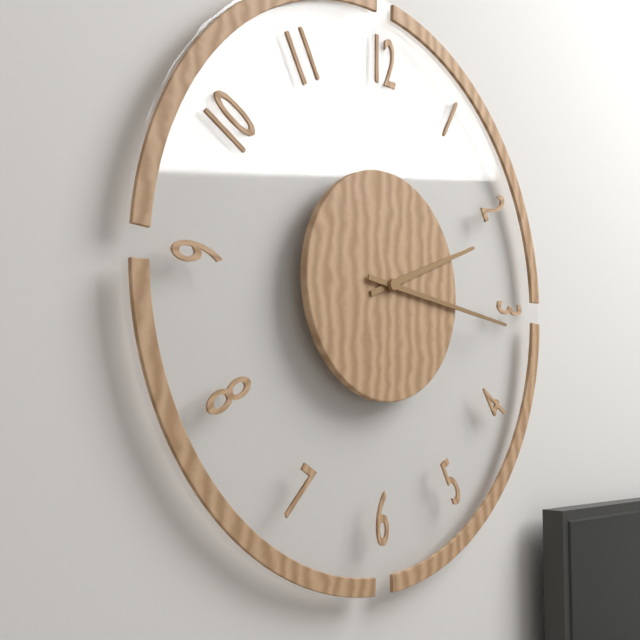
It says 2:16
